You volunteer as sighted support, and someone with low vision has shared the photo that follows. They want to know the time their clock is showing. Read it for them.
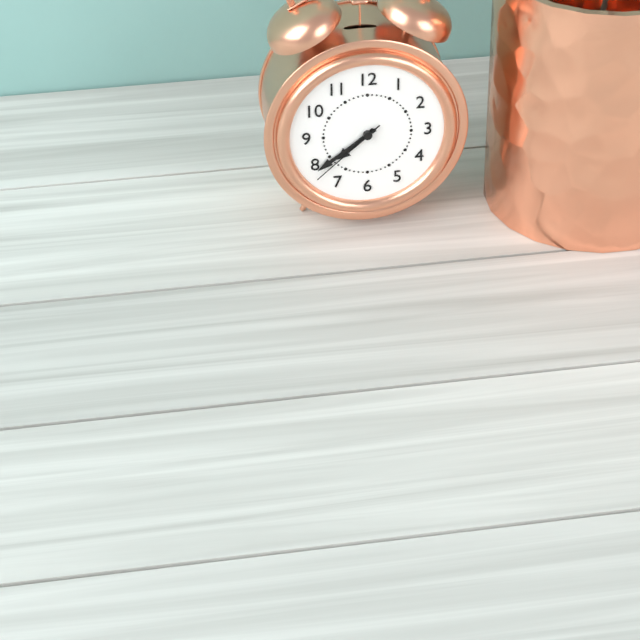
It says 7:39:38
